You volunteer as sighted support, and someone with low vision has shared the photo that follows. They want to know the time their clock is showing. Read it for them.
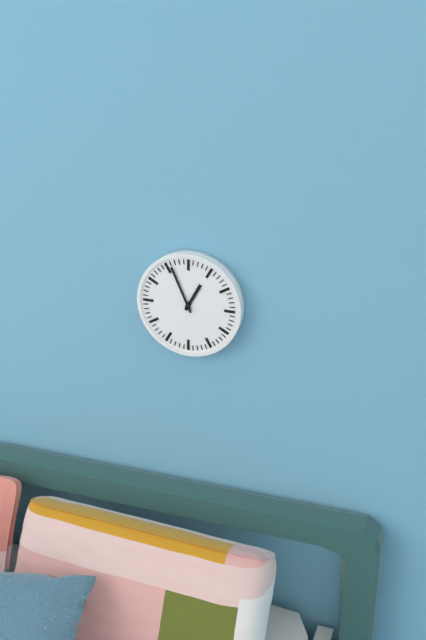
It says 12:56
